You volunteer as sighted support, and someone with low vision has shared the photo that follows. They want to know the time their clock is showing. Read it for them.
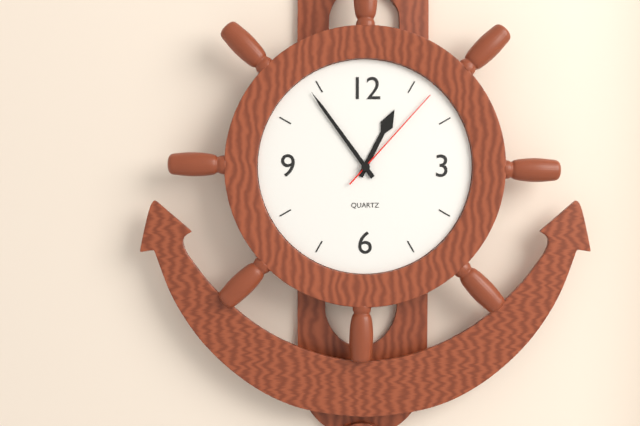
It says 12:54:07
